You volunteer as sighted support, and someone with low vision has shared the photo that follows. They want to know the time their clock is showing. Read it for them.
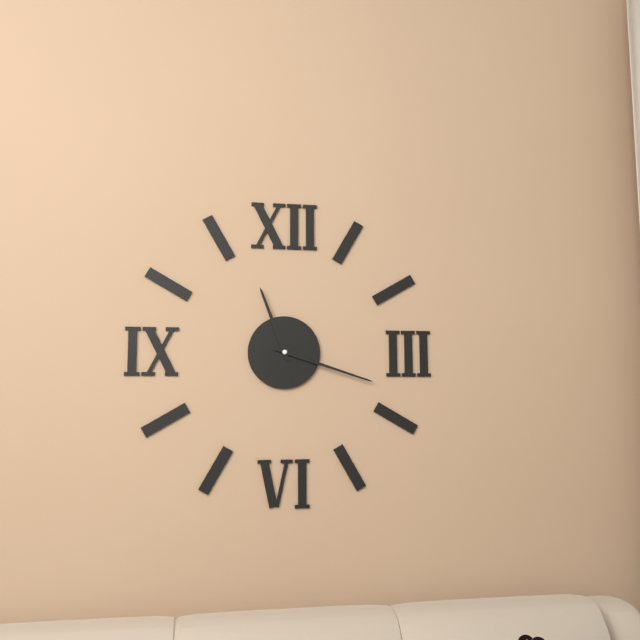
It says 11:18
